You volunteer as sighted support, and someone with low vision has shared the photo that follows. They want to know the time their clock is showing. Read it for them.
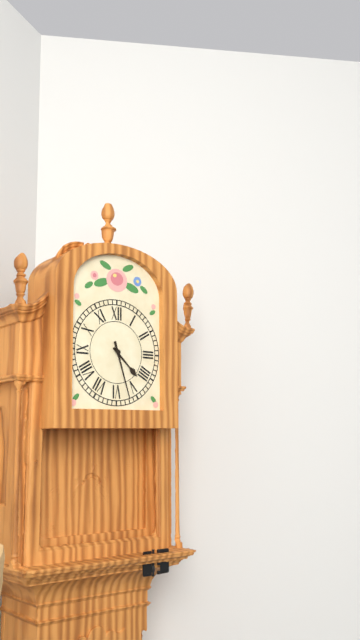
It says 4:27
